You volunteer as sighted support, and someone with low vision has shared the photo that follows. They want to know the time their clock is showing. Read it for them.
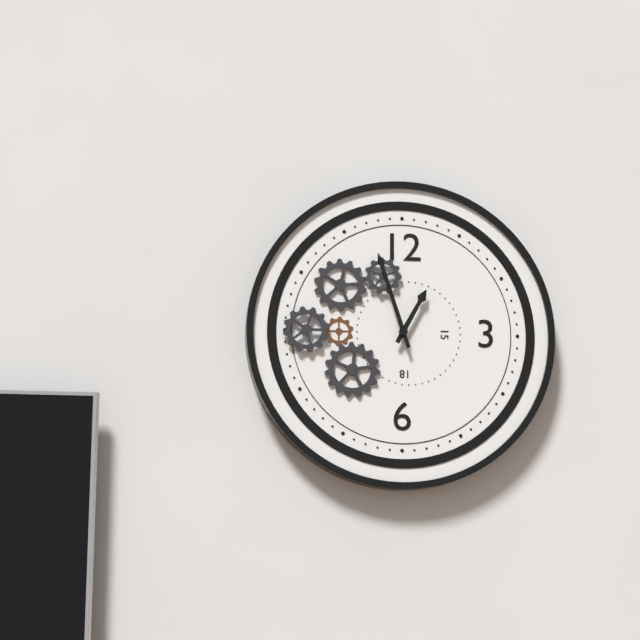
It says 12:57
